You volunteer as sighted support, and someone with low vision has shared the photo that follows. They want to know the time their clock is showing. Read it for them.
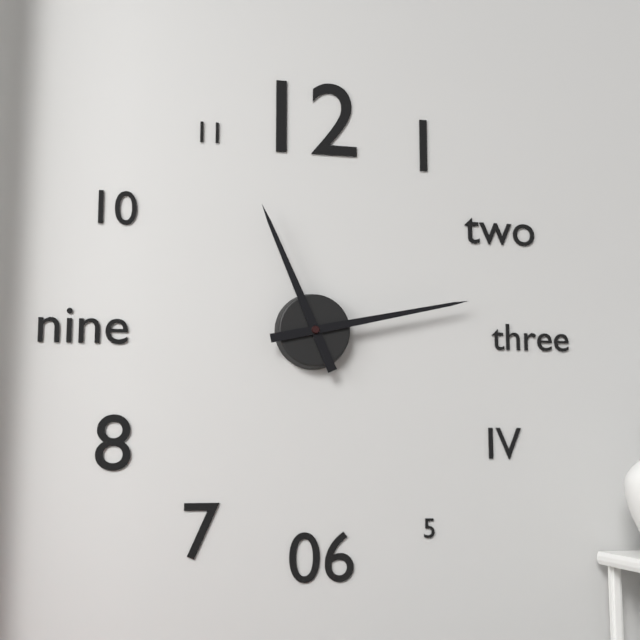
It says 11:13
